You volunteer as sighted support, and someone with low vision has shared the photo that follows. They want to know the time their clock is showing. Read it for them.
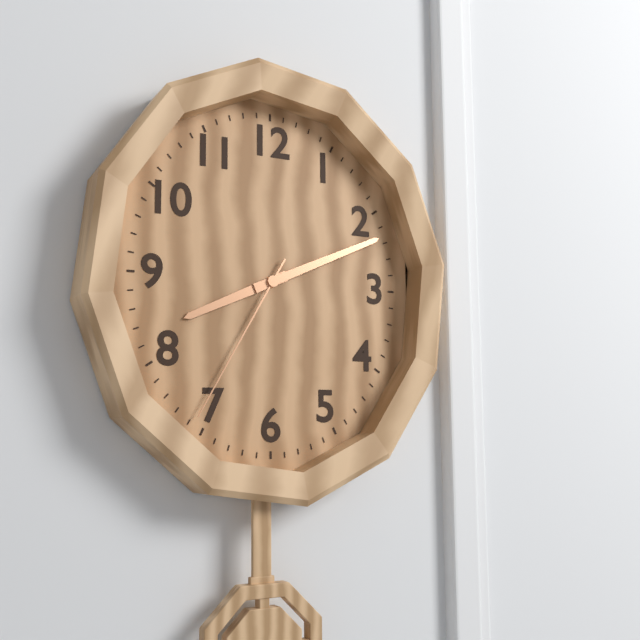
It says 8:11:35
